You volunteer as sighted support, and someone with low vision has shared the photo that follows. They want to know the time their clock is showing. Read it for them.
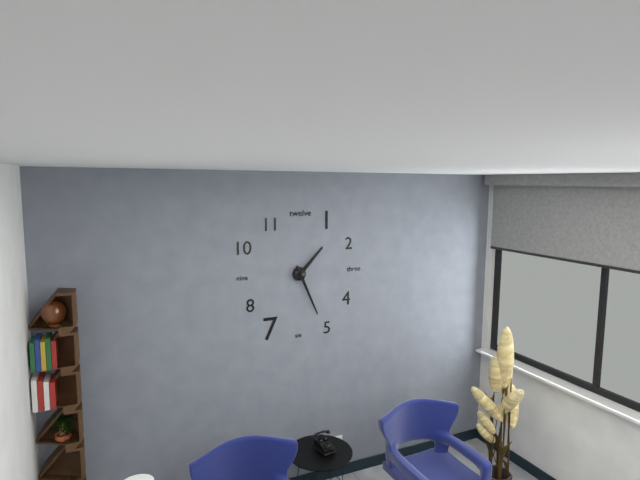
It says 1:26
